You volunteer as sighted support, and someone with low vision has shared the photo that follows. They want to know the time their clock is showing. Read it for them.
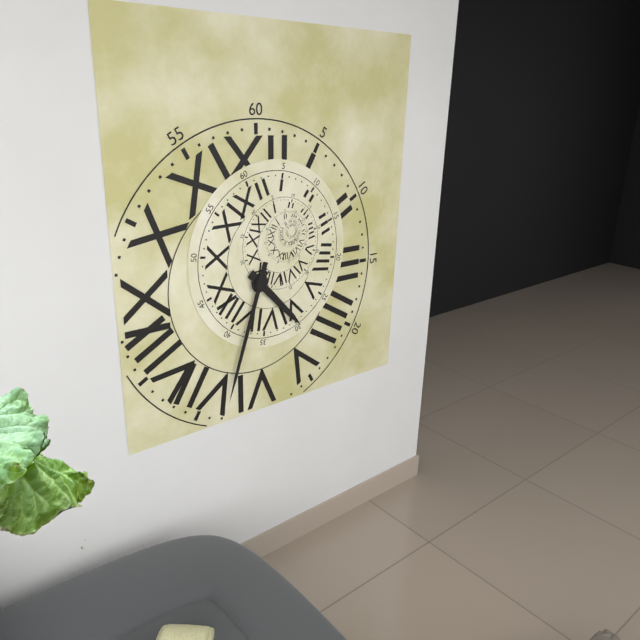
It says 4:33
